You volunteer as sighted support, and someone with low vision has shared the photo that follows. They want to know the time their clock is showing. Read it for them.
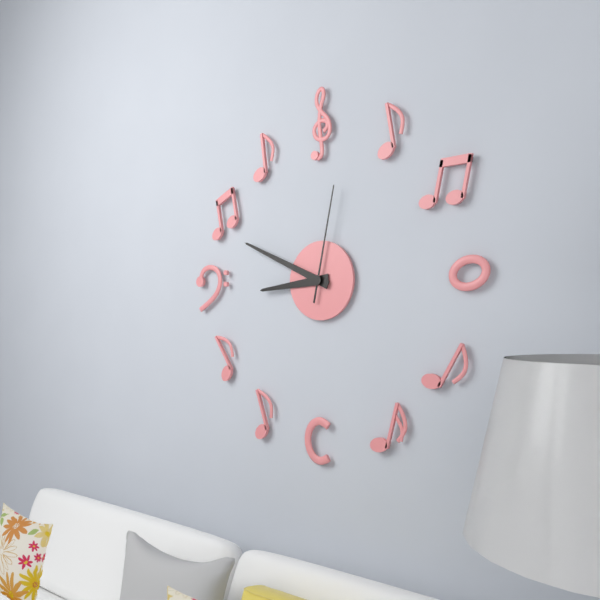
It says 8:49:02
